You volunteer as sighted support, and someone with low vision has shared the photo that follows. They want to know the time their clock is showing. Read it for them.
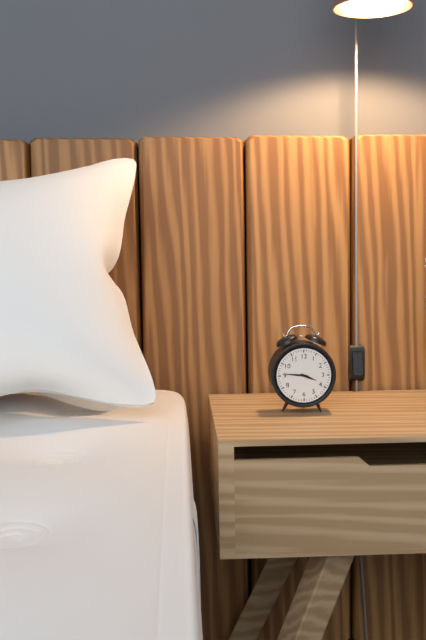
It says 3:46
